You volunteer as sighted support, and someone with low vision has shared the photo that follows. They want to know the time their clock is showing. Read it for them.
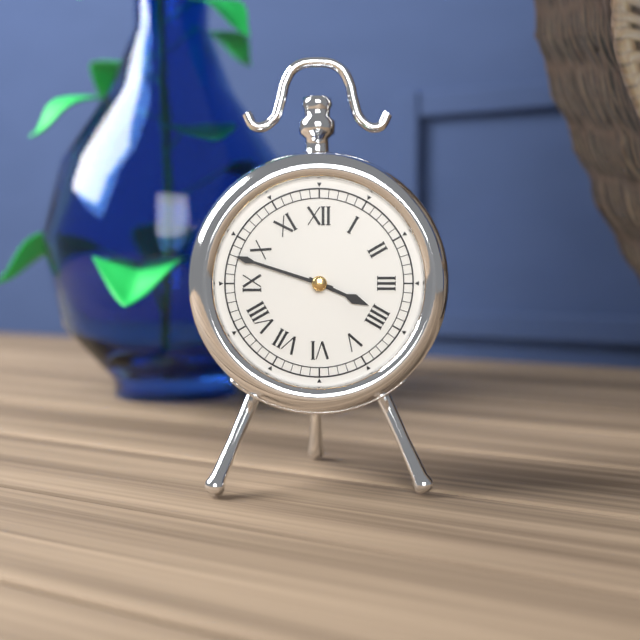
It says 3:48
